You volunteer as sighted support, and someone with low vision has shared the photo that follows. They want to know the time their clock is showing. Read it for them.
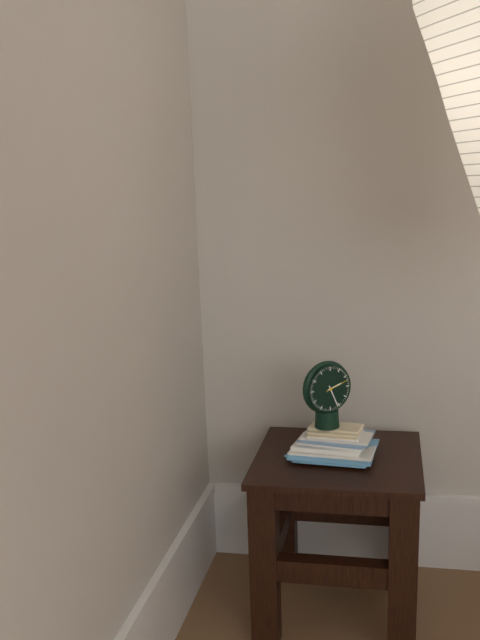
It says 2:26
